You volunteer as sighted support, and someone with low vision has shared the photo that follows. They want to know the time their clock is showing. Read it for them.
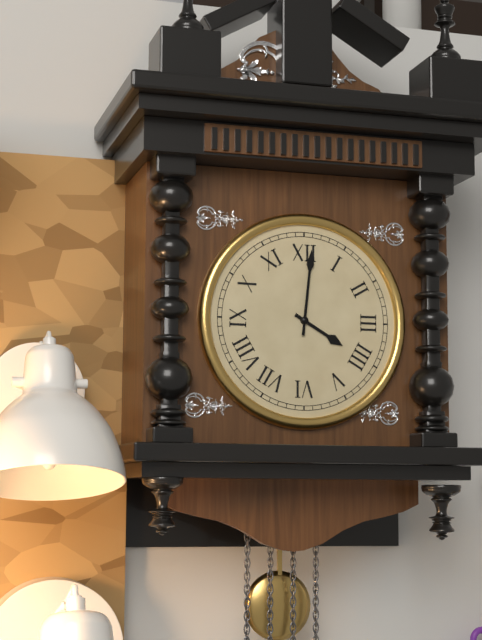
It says 4:01
